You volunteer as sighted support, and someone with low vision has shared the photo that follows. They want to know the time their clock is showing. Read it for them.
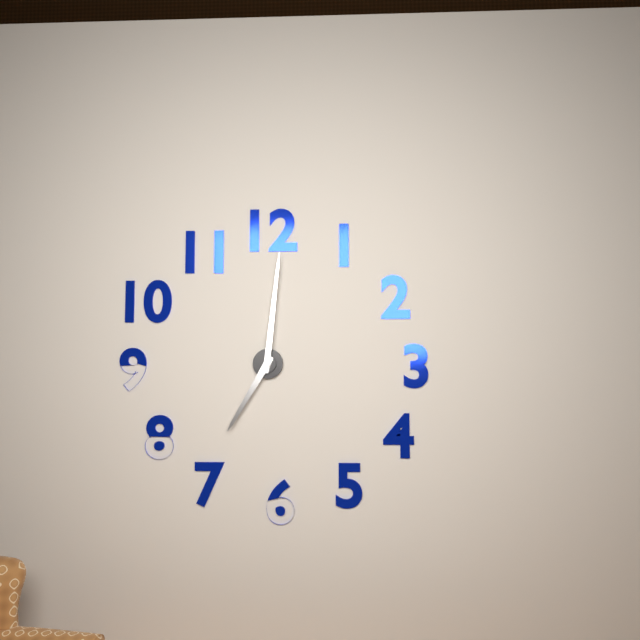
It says 7:01
